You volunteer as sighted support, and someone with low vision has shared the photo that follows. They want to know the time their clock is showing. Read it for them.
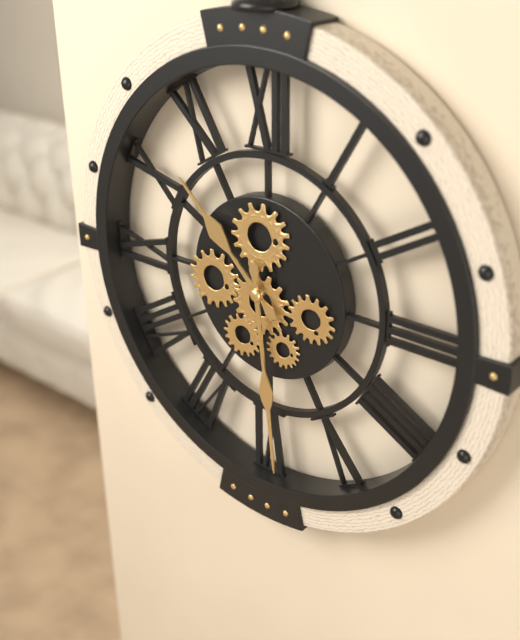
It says 10:29
